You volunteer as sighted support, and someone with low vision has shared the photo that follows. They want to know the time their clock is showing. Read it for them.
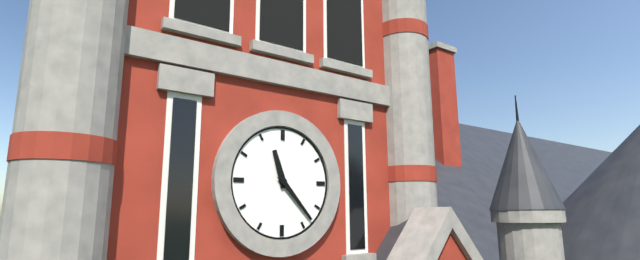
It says 11:23
